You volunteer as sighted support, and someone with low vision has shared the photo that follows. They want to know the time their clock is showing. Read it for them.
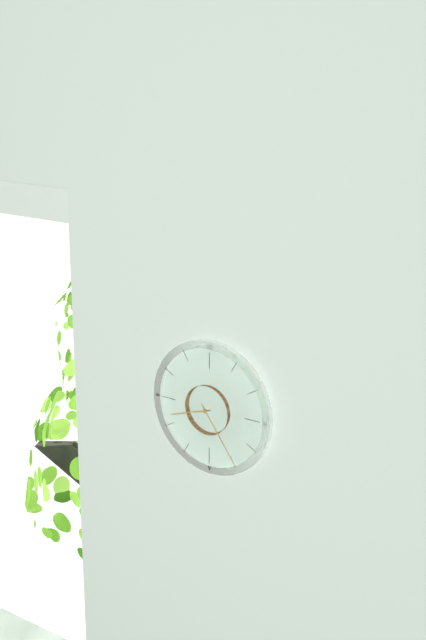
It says 8:24
